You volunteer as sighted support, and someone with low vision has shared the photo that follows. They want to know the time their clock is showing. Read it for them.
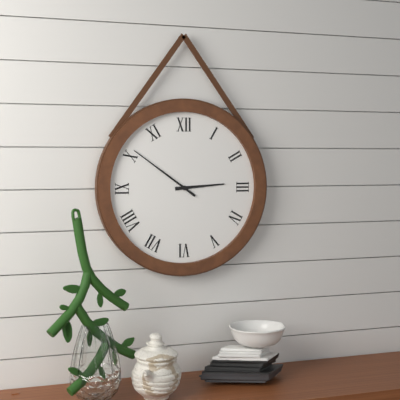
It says 2:51
